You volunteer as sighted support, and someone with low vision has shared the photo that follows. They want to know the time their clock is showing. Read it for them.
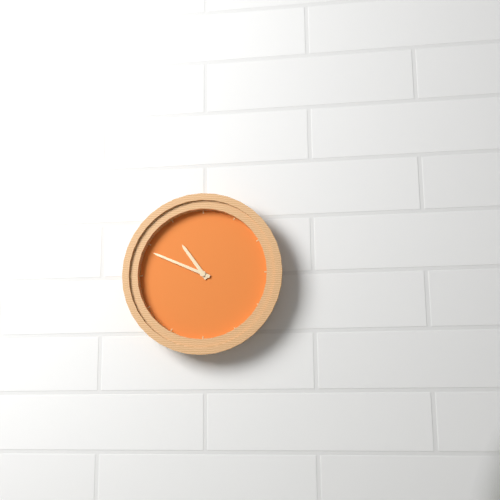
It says 10:49
